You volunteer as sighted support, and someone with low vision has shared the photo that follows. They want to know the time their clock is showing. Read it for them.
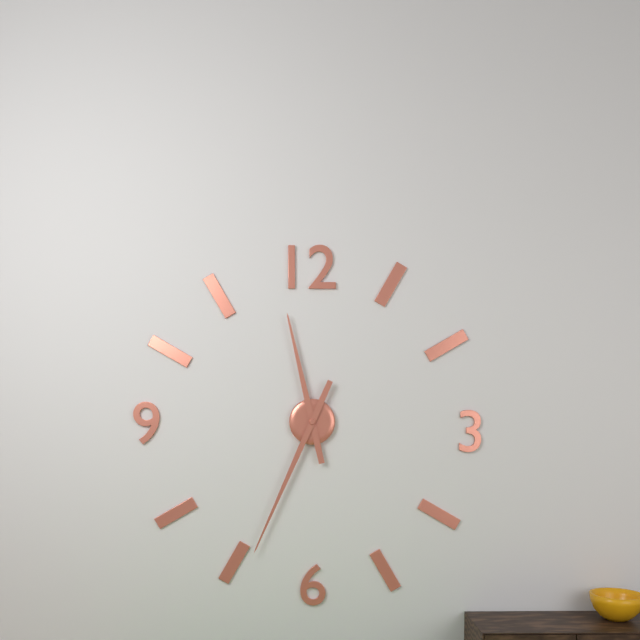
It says 11:34
